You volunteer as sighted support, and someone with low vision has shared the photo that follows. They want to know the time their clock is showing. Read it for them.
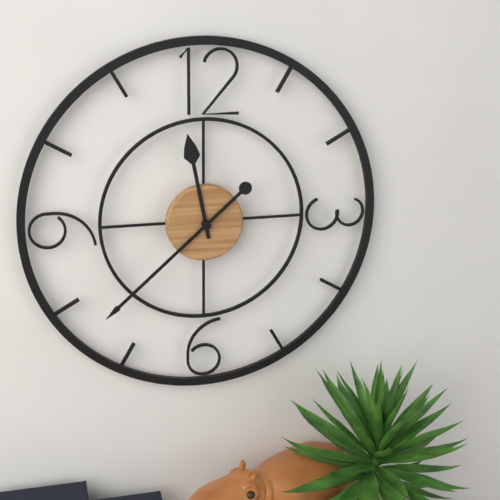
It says 11:38
